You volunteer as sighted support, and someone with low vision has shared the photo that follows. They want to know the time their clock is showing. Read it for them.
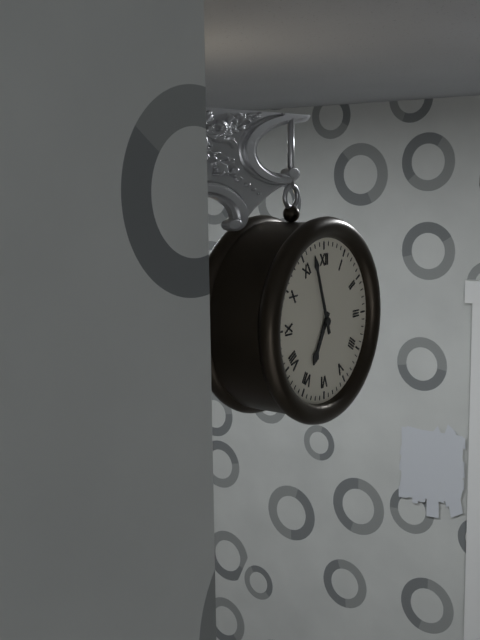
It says 6:57
